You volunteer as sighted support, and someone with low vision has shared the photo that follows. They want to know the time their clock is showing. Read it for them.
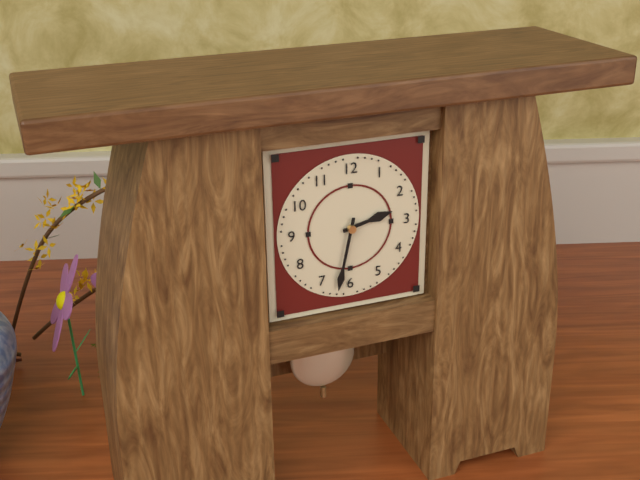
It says 2:32
